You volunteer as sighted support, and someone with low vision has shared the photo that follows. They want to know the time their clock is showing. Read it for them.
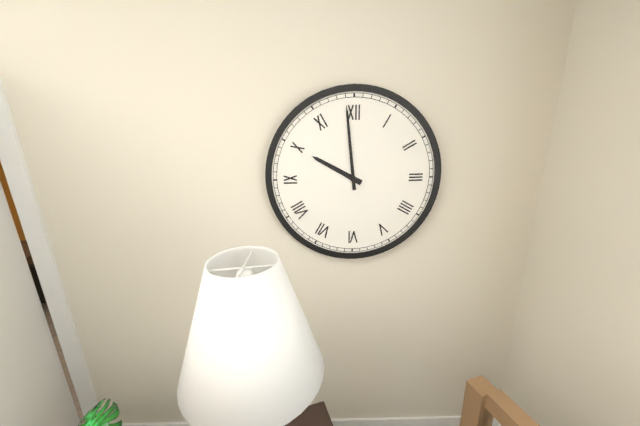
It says 9:59
